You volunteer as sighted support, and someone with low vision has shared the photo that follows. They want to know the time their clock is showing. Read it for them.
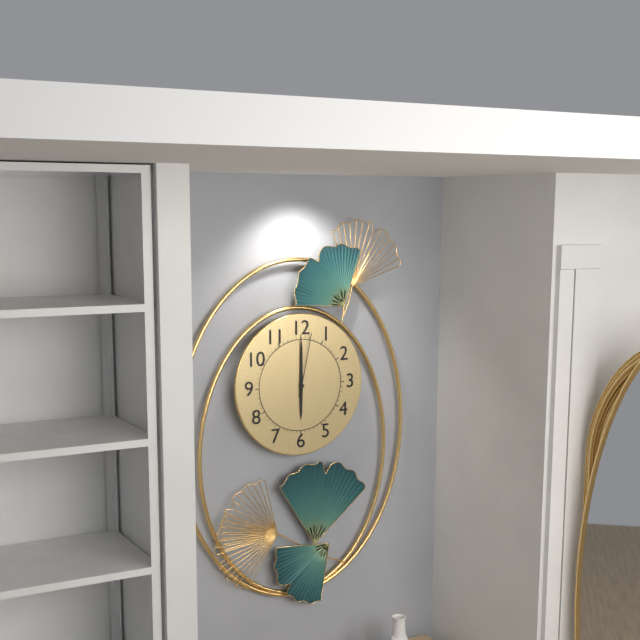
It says 6:00:02
